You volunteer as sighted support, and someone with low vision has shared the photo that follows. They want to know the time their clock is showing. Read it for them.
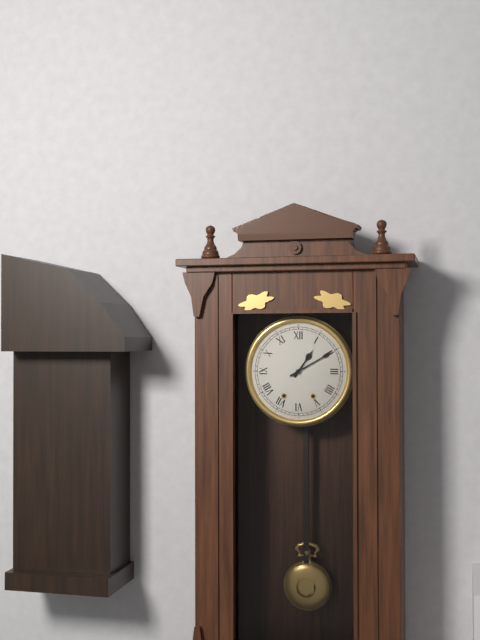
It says 1:10
